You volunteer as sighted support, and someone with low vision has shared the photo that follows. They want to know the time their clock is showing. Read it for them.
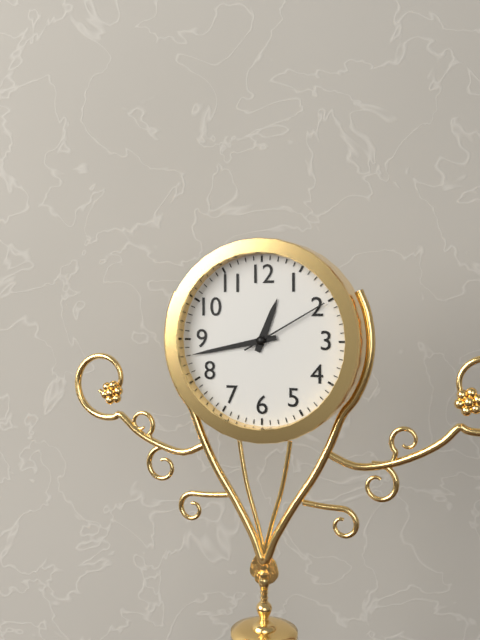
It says 12:43:10
